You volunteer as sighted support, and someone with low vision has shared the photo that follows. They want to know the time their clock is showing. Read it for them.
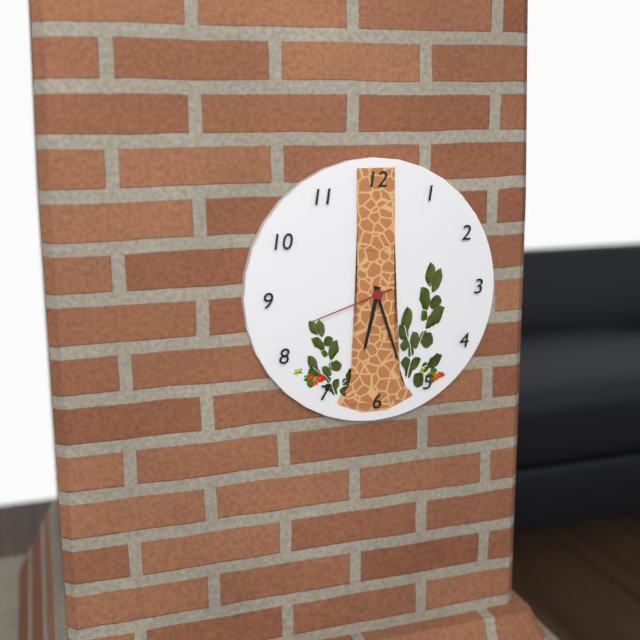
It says 6:27:42
